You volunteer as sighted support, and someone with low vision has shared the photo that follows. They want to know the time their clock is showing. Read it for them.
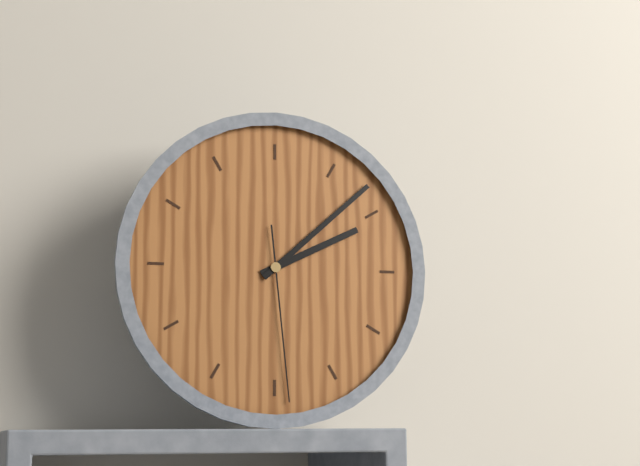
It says 2:08:29
